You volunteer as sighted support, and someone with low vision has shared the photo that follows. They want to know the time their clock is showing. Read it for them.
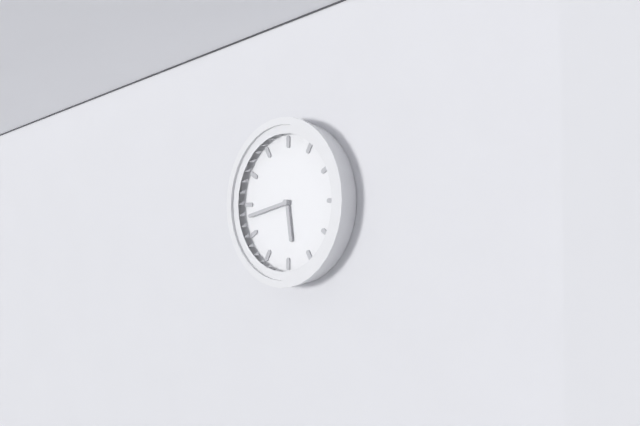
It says 5:43
